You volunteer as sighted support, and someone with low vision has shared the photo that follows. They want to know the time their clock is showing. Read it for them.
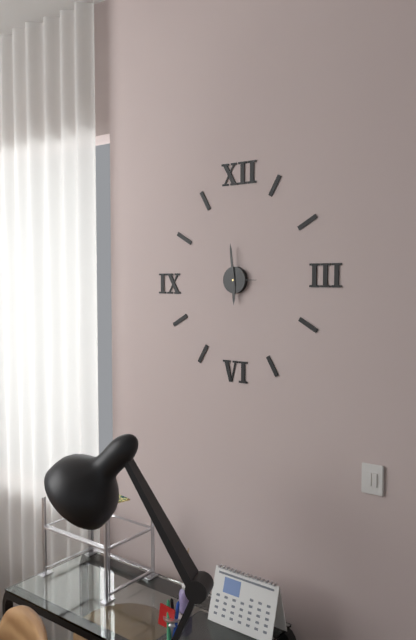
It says 5:59
